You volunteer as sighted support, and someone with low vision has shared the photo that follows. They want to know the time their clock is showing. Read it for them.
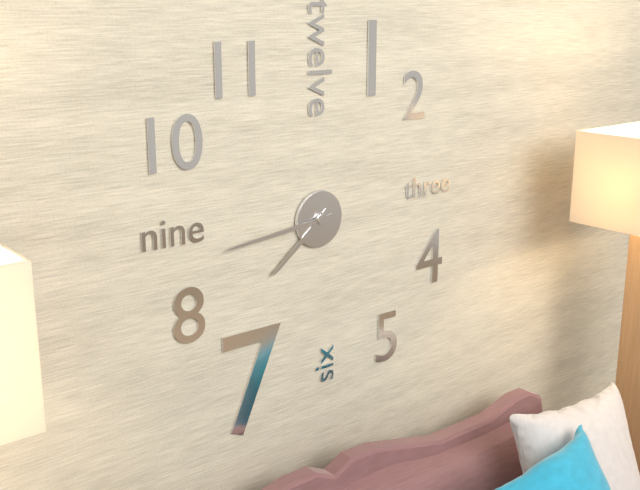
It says 7:44
